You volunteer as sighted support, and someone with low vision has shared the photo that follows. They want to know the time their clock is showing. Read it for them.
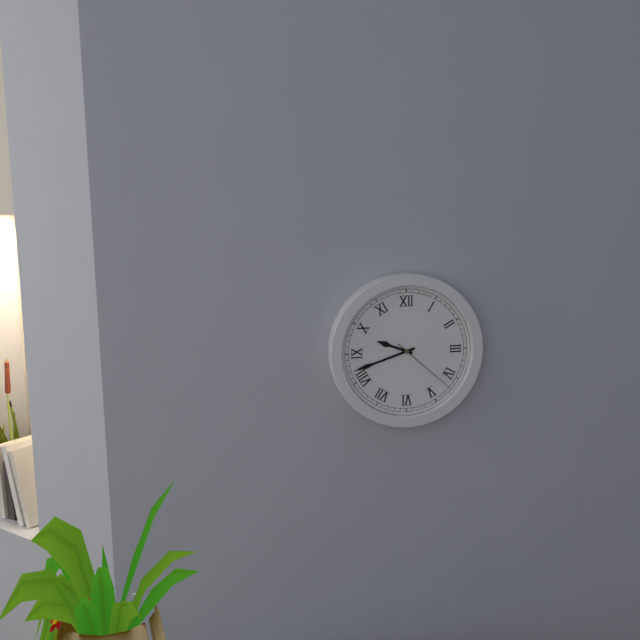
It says 9:42:22
